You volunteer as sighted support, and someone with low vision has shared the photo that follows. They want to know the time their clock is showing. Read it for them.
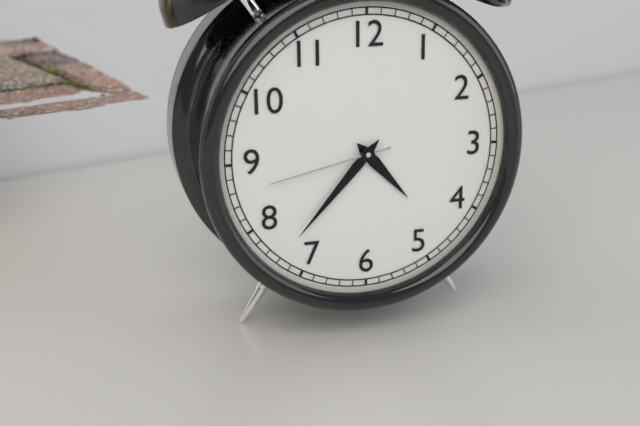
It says 4:37:43
